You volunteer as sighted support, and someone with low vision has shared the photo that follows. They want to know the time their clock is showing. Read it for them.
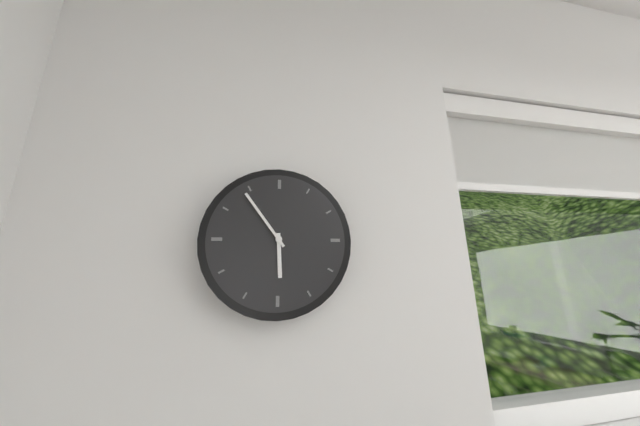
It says 5:54
